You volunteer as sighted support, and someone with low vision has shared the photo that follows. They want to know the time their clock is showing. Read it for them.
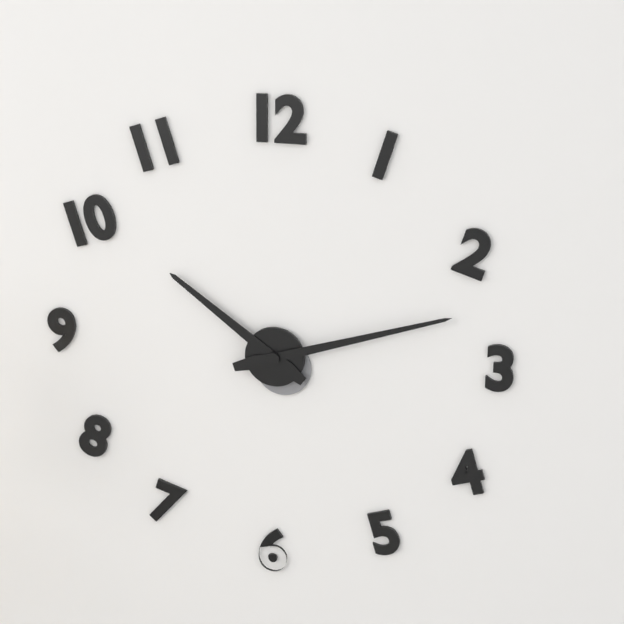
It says 10:12
